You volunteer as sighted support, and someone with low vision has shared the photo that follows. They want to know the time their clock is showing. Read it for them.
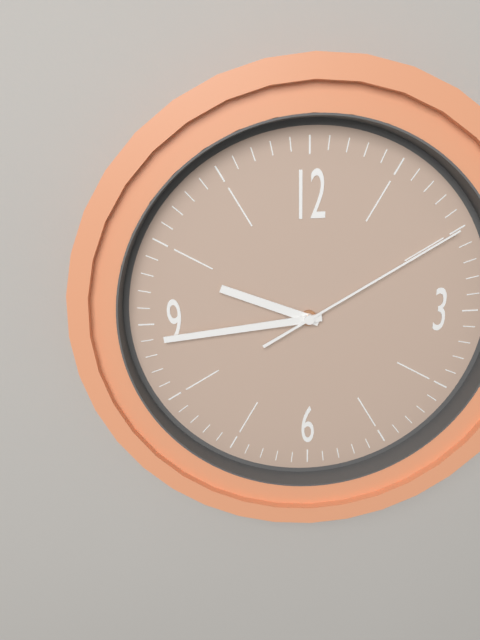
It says 9:44:10
